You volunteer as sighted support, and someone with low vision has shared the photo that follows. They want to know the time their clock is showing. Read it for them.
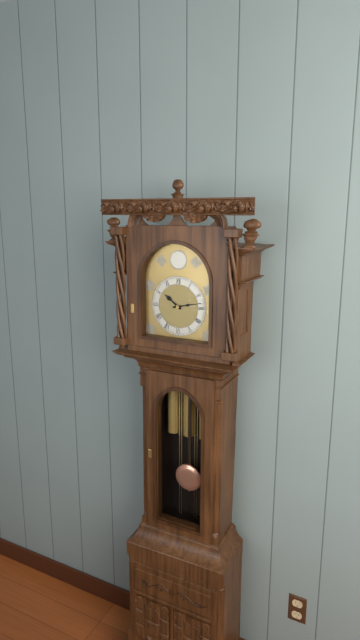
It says 10:13
